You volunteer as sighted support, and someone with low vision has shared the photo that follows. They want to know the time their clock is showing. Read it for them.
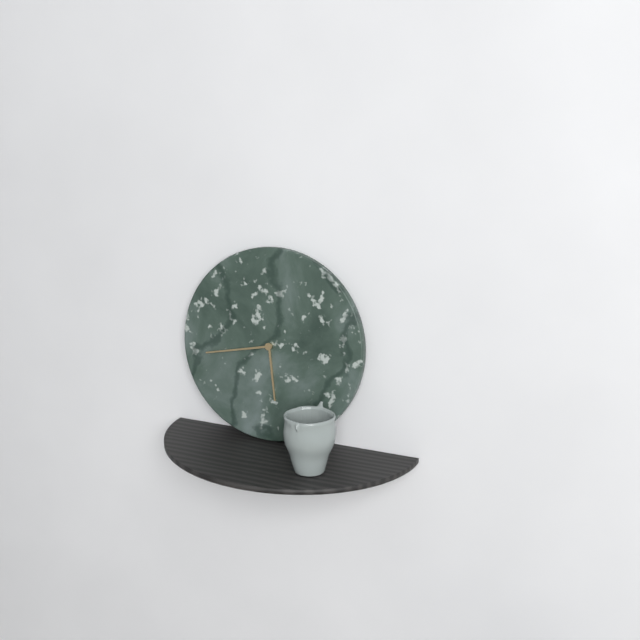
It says 5:43
